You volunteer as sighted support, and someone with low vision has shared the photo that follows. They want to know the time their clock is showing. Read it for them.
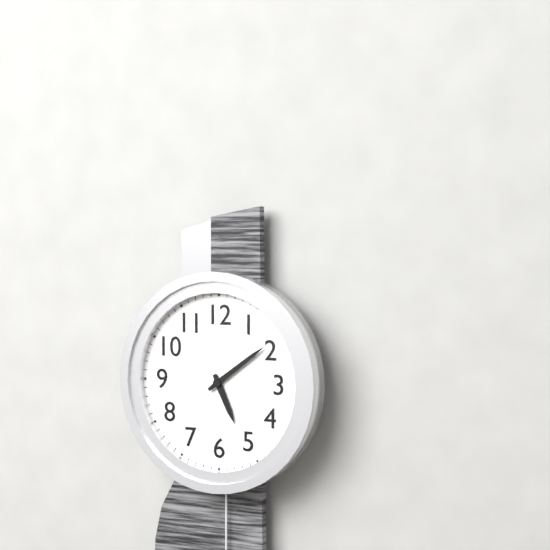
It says 5:09
